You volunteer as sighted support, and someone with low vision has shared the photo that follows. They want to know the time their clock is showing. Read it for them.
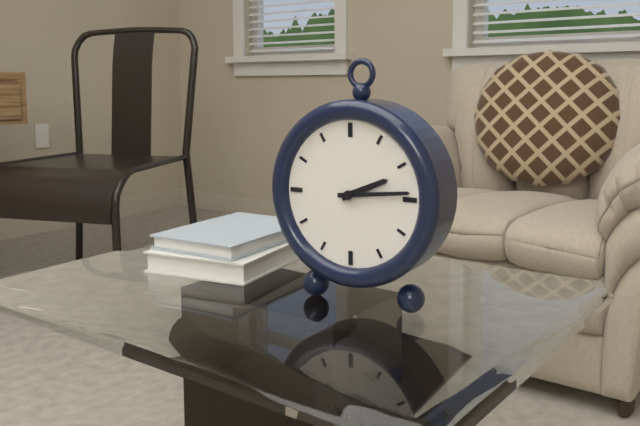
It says 2:14
